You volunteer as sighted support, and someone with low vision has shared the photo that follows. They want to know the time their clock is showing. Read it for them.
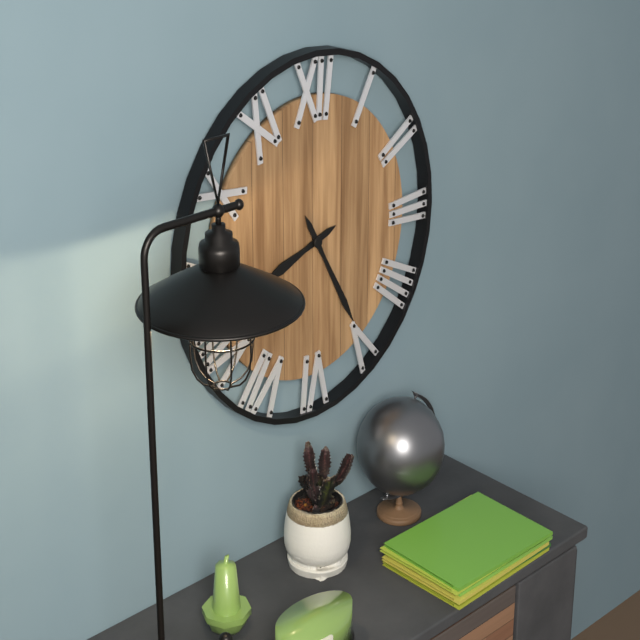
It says 8:25
